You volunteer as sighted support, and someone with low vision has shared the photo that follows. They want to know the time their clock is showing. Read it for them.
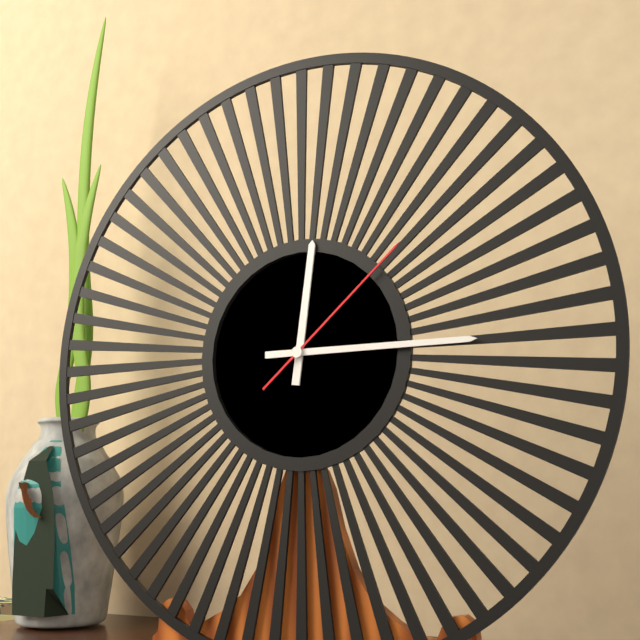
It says 12:15:08
